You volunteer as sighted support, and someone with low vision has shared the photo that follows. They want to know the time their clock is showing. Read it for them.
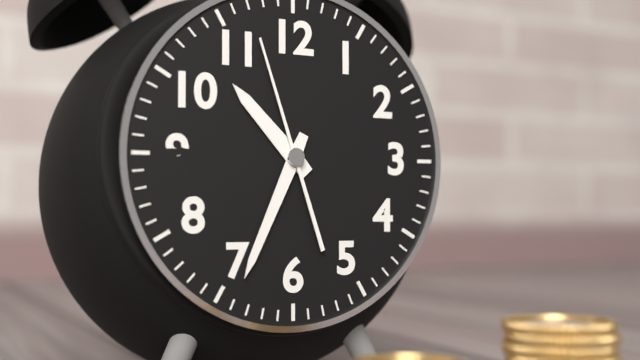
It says 10:34:57
